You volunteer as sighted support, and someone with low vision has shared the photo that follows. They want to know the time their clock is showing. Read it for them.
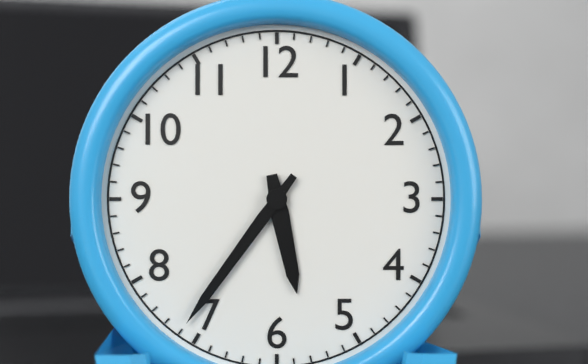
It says 5:36
